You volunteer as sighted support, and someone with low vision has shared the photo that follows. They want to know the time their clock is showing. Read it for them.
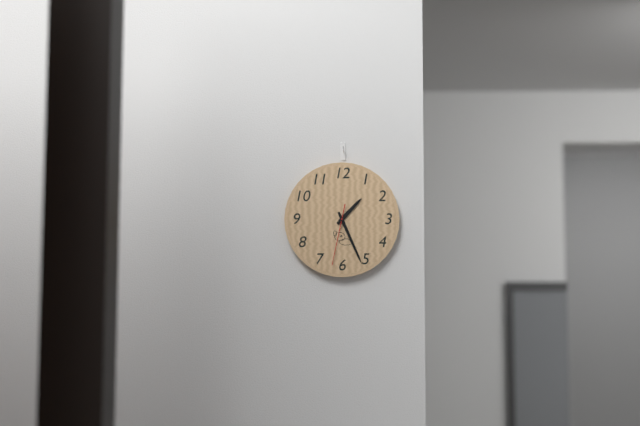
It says 1:26:32
